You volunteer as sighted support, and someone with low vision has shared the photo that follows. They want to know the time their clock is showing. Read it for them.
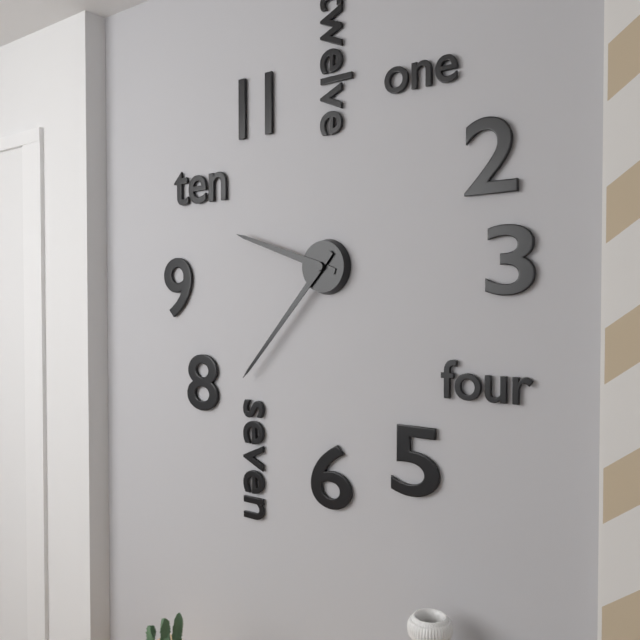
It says 9:37
